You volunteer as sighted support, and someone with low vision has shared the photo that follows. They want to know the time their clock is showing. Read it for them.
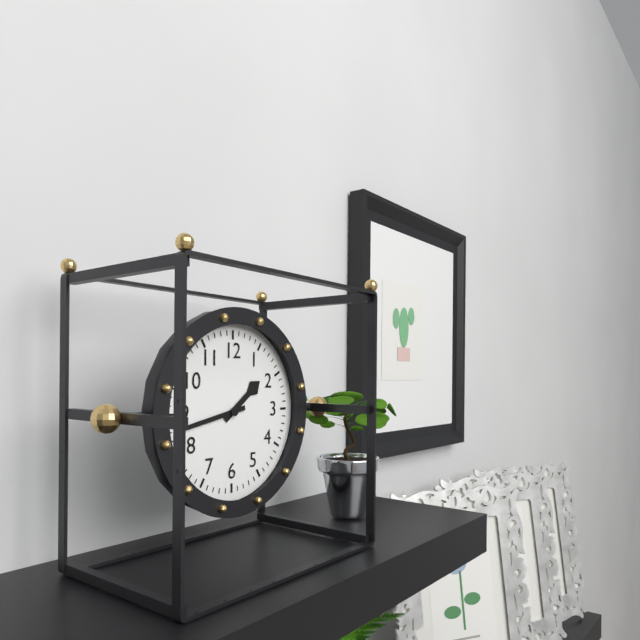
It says 1:43
